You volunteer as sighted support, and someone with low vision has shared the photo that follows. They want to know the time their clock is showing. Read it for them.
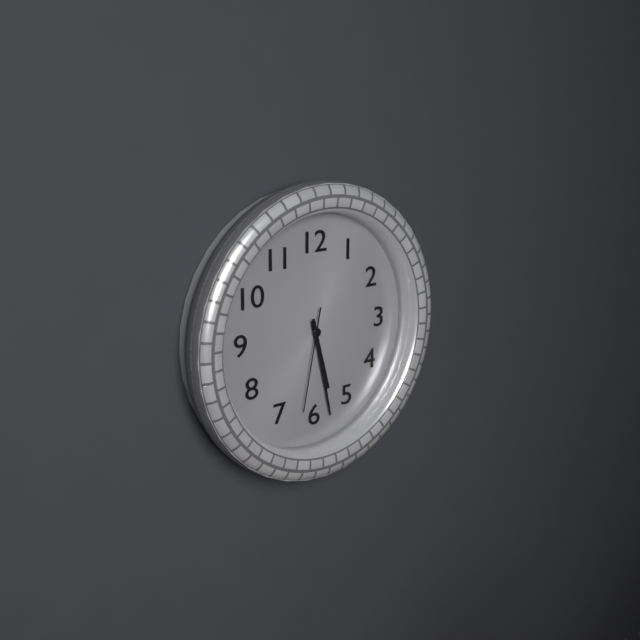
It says 5:28:32
